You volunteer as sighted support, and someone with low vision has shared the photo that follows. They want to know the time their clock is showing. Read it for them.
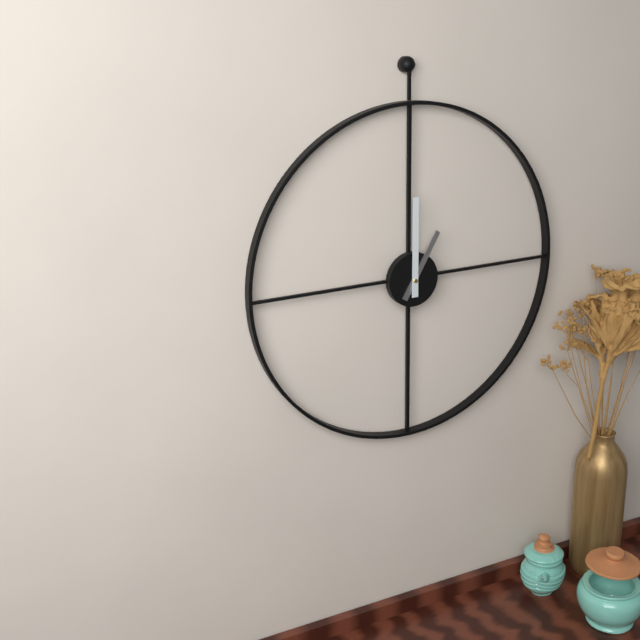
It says 1:00
